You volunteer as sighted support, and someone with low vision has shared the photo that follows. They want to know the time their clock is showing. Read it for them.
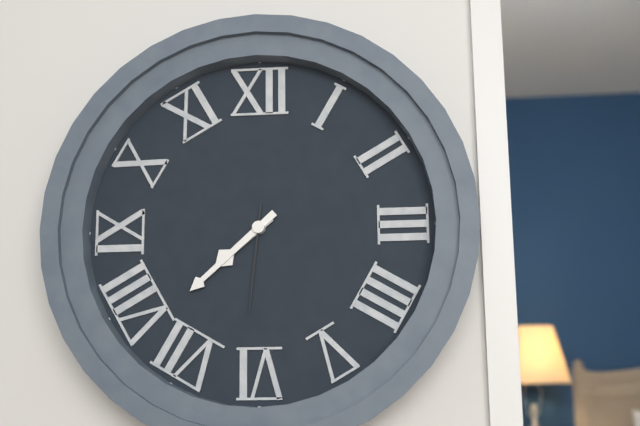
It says 7:38:31
